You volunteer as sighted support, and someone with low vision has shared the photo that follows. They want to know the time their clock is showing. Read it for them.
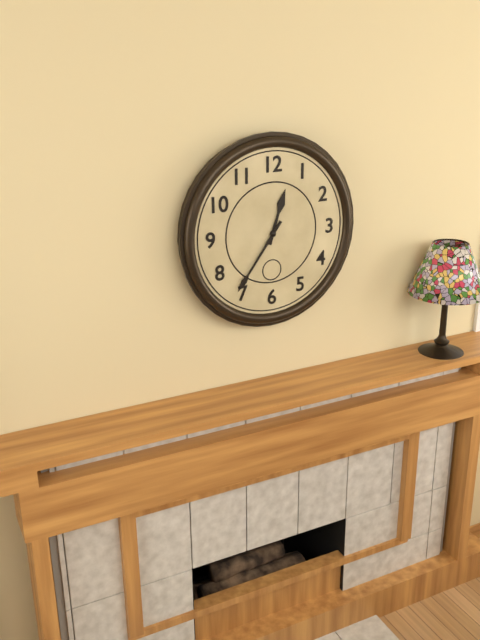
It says 12:36
